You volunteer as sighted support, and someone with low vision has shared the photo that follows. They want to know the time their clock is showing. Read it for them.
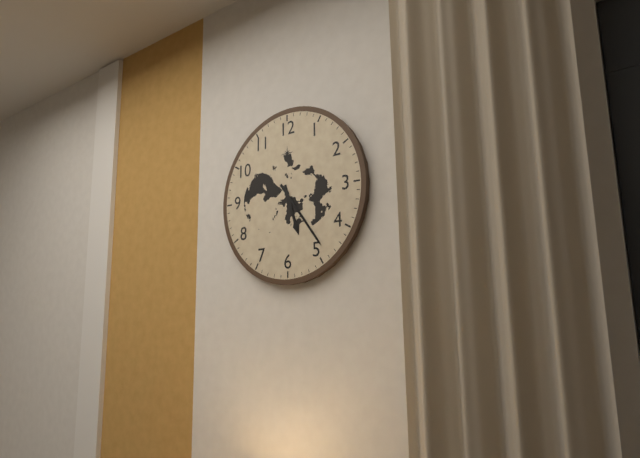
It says 5:24
